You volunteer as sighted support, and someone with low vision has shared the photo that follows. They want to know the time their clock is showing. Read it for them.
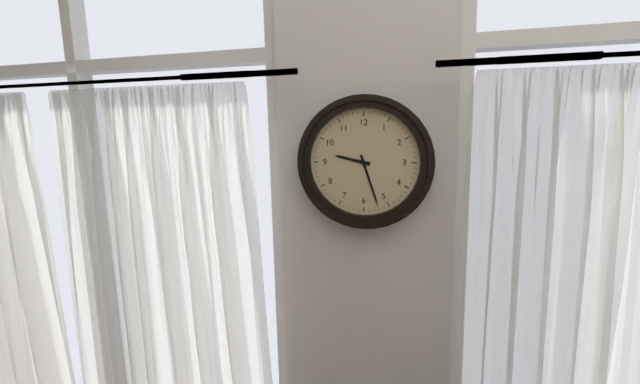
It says 9:27
